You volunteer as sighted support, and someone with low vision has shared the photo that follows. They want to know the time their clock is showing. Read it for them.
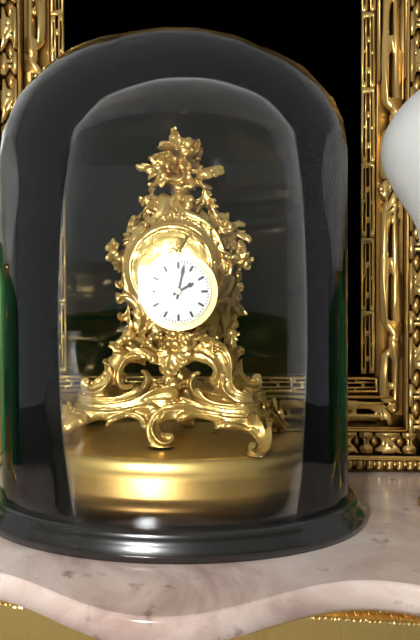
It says 2:02
